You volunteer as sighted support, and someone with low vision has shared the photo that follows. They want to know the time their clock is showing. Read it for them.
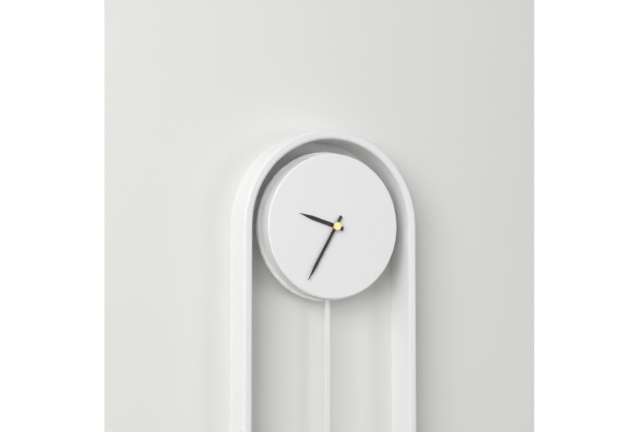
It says 9:35
